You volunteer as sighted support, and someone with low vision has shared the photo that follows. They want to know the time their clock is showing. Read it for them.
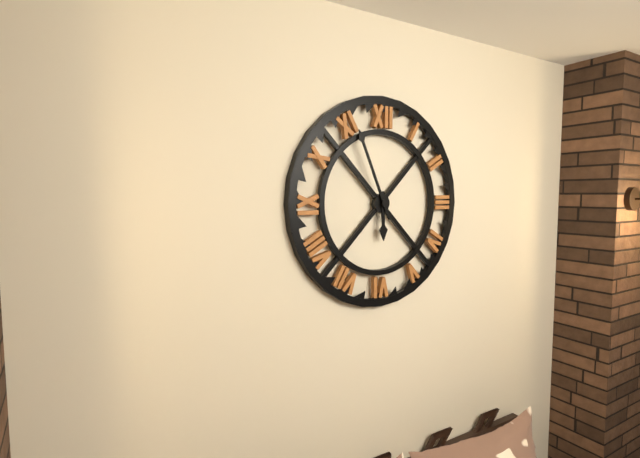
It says 5:56
